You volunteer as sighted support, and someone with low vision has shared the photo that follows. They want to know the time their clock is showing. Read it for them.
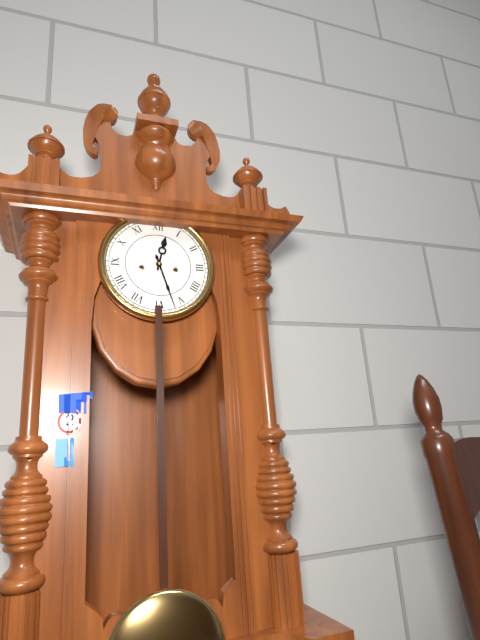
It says 12:27
